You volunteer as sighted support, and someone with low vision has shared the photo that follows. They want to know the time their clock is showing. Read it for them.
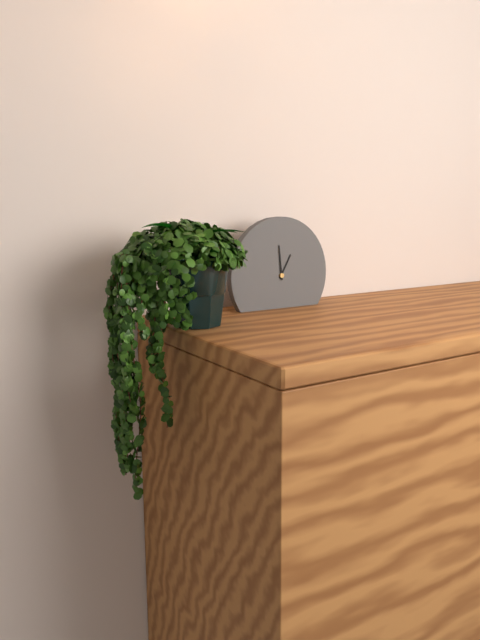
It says 12:59
